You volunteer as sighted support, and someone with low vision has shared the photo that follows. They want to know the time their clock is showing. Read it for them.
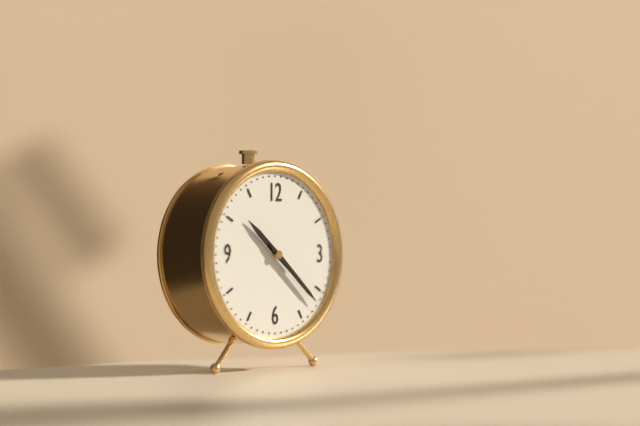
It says 10:22
